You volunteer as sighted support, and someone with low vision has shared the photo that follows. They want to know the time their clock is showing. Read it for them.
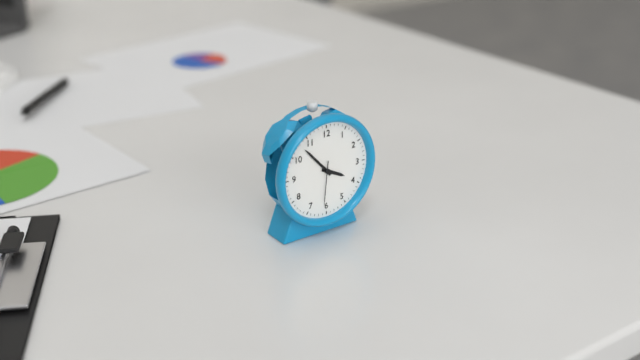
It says 3:53
